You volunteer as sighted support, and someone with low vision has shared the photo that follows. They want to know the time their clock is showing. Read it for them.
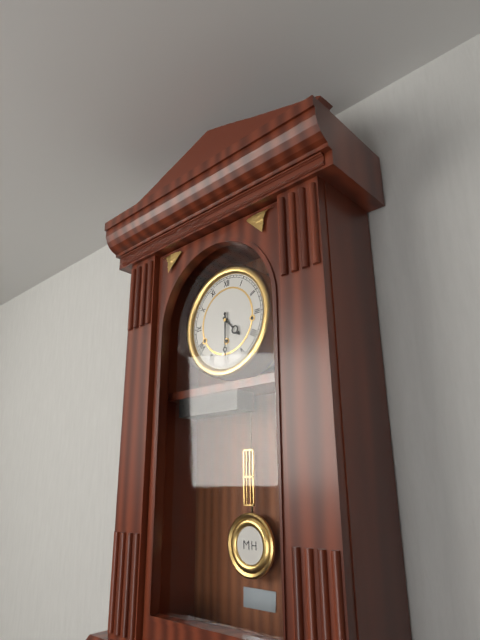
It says 4:30
